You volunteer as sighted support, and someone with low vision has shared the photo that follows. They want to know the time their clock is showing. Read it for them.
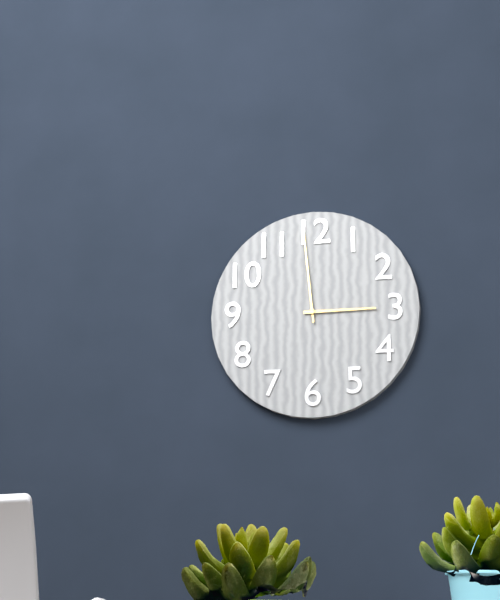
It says 2:59
